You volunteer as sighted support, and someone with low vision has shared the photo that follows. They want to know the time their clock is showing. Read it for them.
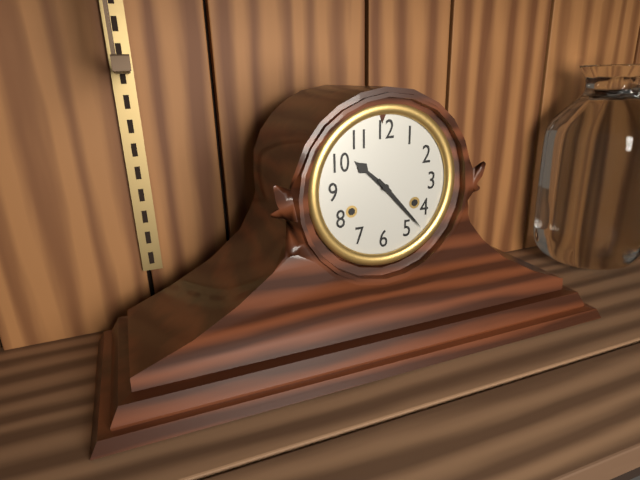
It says 10:23
